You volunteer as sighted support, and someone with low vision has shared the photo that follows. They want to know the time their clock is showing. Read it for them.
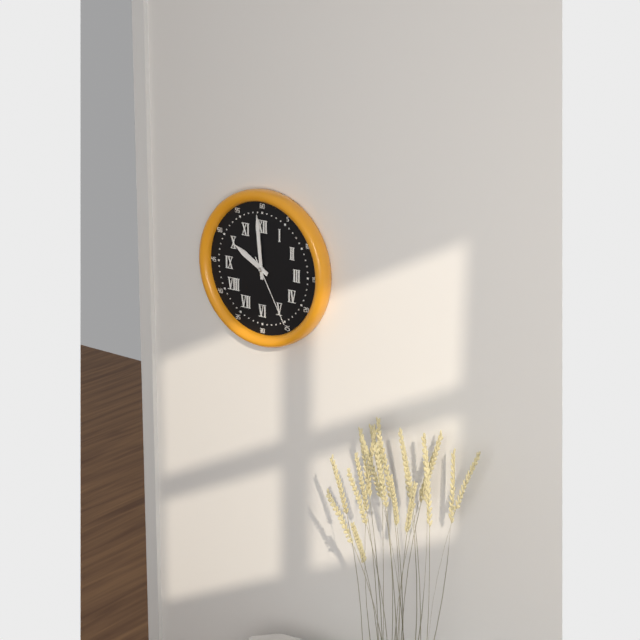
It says 9:59:25
